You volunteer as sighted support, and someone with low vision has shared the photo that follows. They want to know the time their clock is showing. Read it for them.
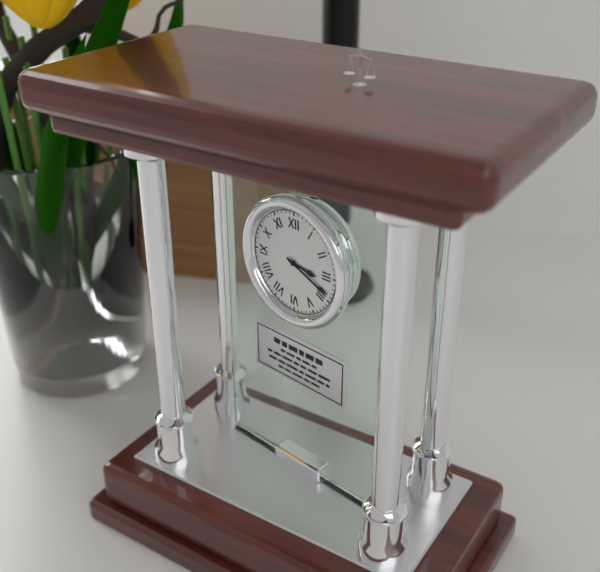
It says 3:19
